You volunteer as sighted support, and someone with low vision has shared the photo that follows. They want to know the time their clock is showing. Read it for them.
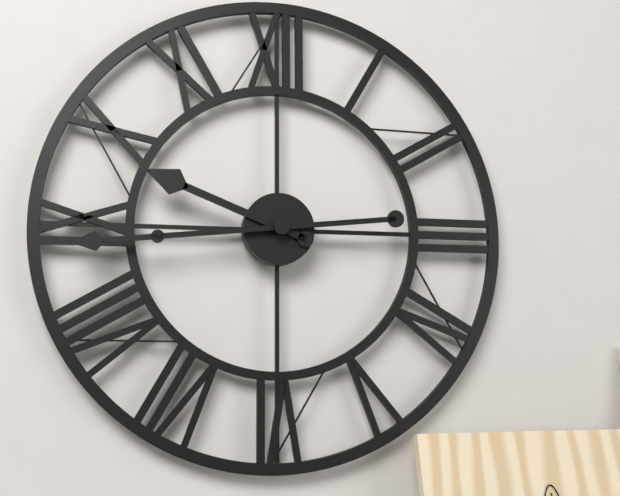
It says 9:44
